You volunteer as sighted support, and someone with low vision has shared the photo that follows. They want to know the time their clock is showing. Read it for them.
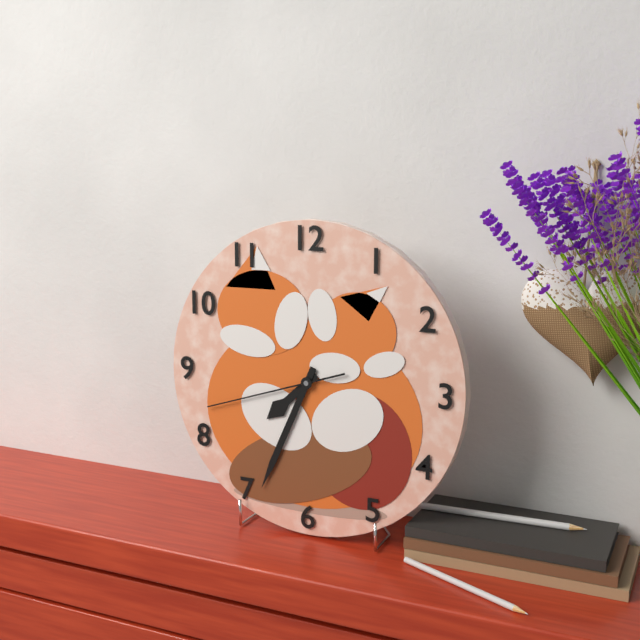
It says 7:34:42
